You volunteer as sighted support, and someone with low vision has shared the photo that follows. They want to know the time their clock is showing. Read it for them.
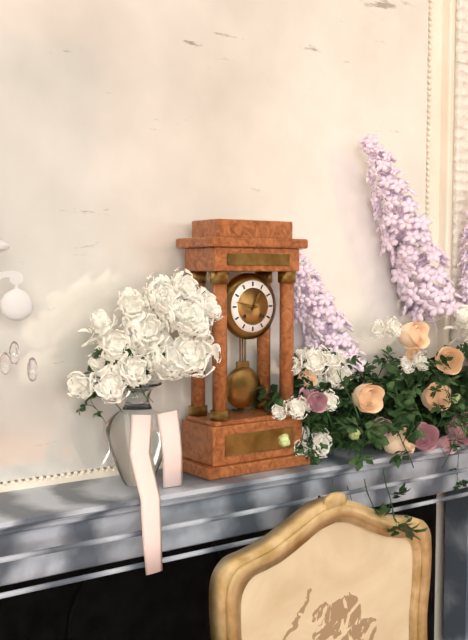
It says 12:47
